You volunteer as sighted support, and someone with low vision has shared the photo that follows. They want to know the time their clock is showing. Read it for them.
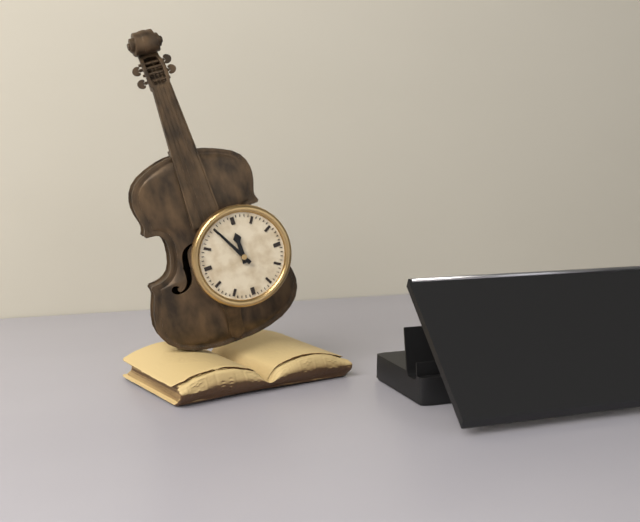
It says 11:55
